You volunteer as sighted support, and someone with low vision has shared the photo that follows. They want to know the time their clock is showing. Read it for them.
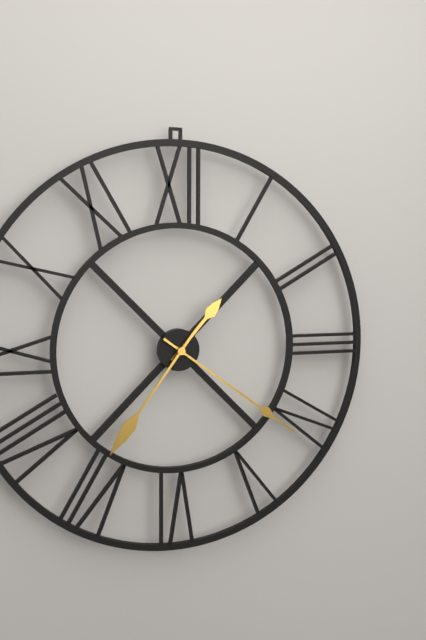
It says 1:21:36
